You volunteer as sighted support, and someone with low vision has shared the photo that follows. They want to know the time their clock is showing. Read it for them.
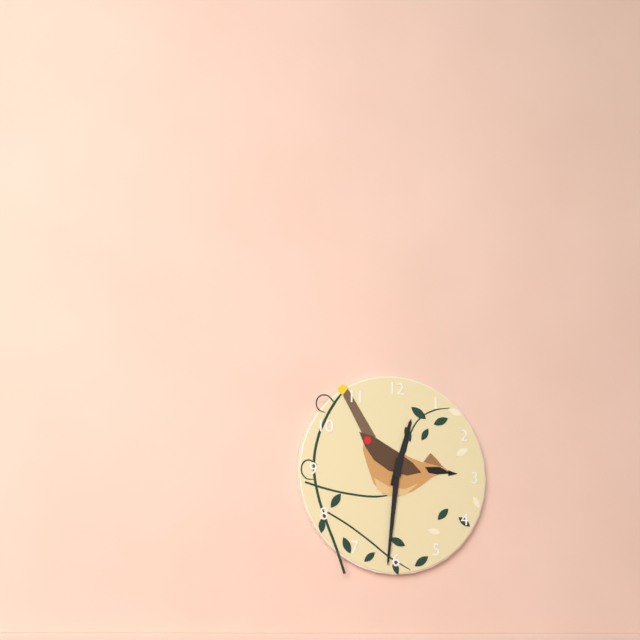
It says 12:31
